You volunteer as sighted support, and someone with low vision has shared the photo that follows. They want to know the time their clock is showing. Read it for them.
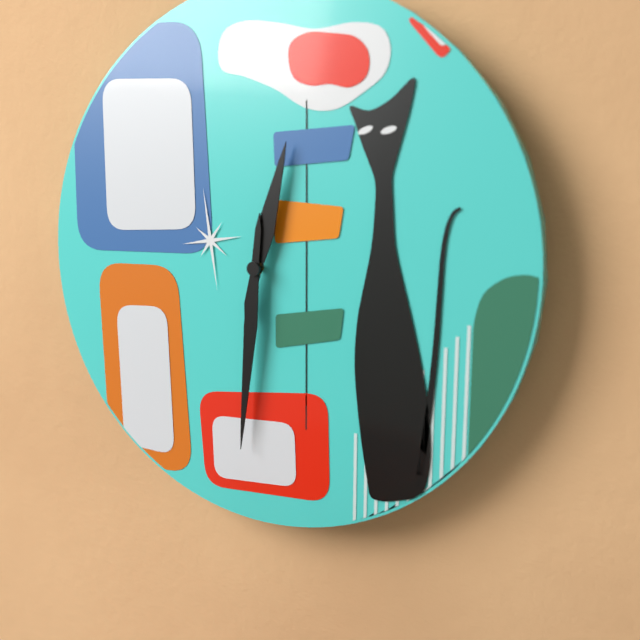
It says 12:31
